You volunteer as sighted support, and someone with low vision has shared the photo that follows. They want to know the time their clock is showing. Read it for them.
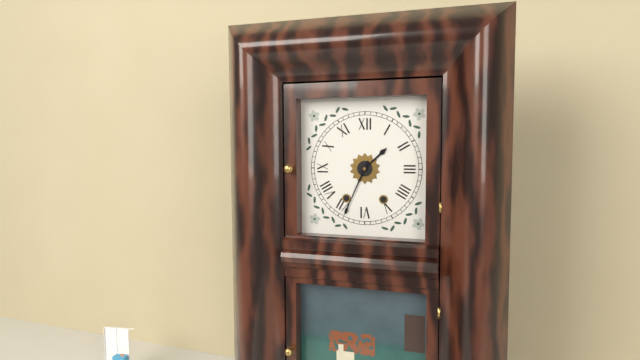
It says 1:34
